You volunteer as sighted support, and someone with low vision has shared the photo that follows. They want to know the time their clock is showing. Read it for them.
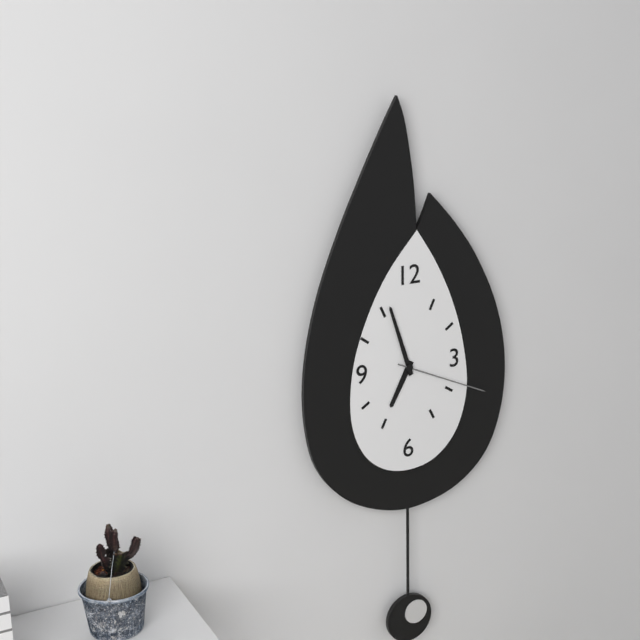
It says 6:57:19
